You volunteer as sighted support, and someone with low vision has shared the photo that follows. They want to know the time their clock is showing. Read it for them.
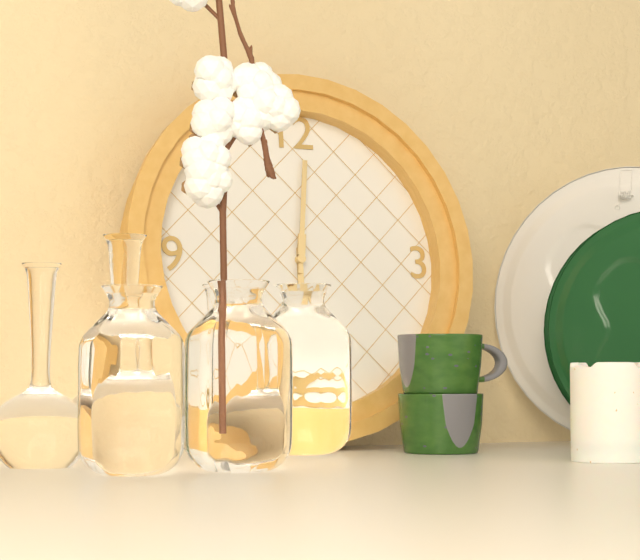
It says 6:01
